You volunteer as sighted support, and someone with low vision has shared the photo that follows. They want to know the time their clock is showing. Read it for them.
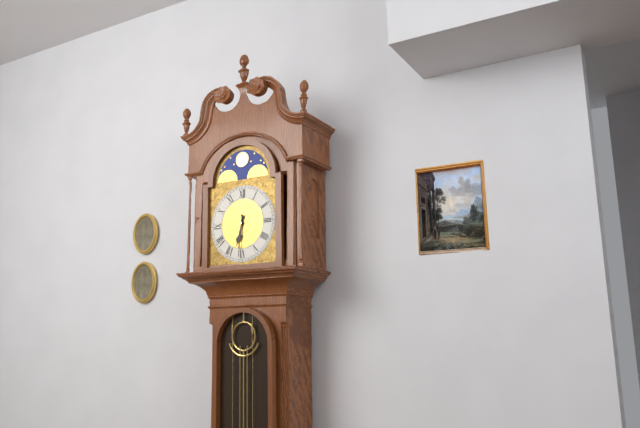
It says 6:31
